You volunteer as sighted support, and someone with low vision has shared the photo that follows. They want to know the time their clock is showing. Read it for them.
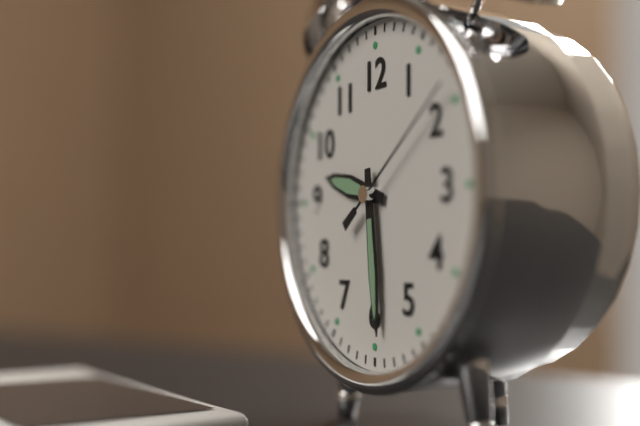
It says 9:29:09
